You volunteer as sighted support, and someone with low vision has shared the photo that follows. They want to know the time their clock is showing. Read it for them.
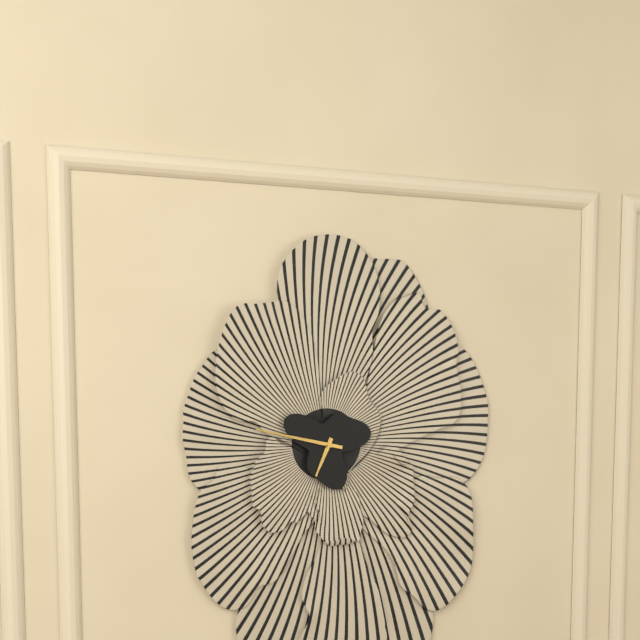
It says 6:47
